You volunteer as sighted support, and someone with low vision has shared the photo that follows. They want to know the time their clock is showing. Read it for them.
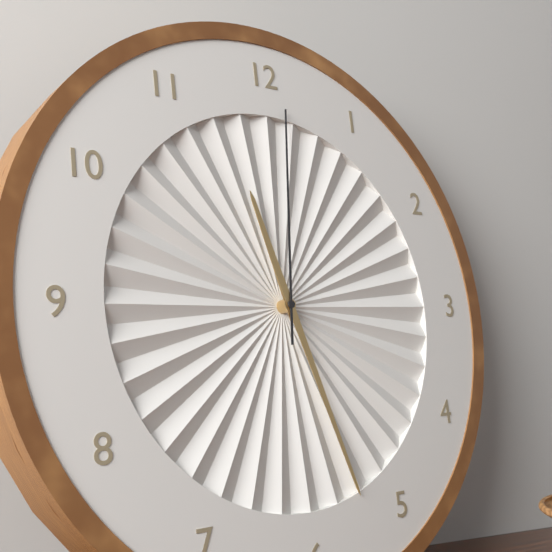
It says 11:27:01
